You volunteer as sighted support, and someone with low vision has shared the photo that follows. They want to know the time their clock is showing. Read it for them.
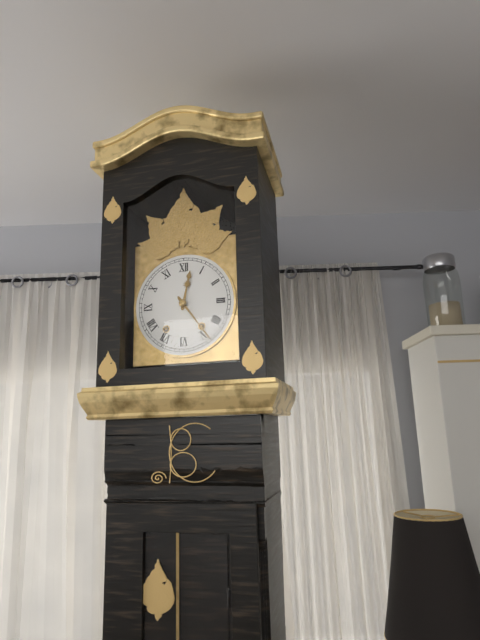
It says 12:24
